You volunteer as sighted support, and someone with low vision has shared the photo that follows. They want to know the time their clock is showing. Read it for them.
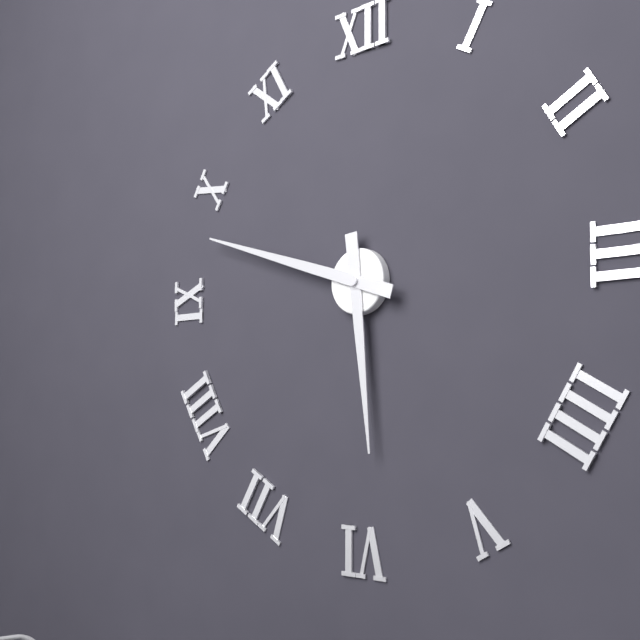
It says 5:48
